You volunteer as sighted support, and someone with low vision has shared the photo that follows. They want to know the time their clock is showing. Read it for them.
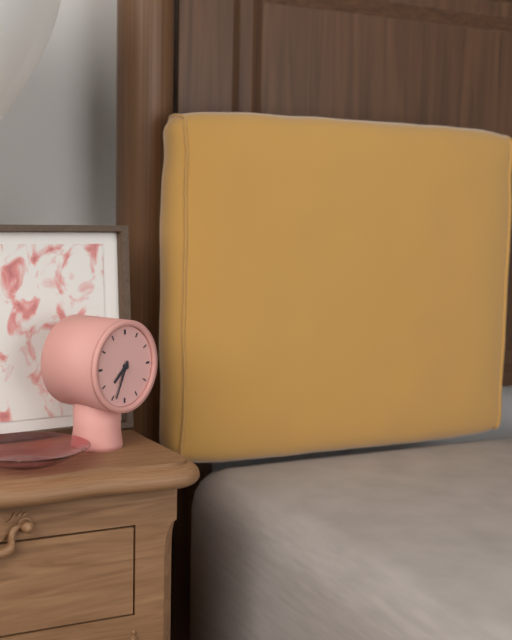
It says 7:34
